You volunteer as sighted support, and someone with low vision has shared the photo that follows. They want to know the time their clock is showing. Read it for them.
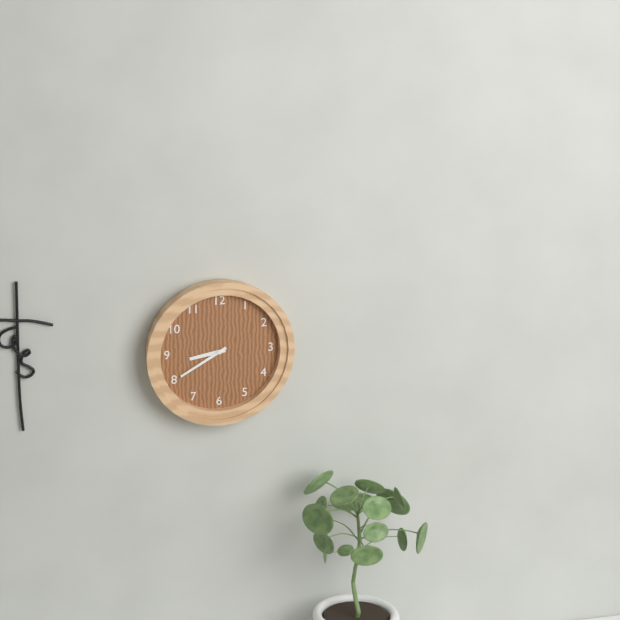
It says 8:40
